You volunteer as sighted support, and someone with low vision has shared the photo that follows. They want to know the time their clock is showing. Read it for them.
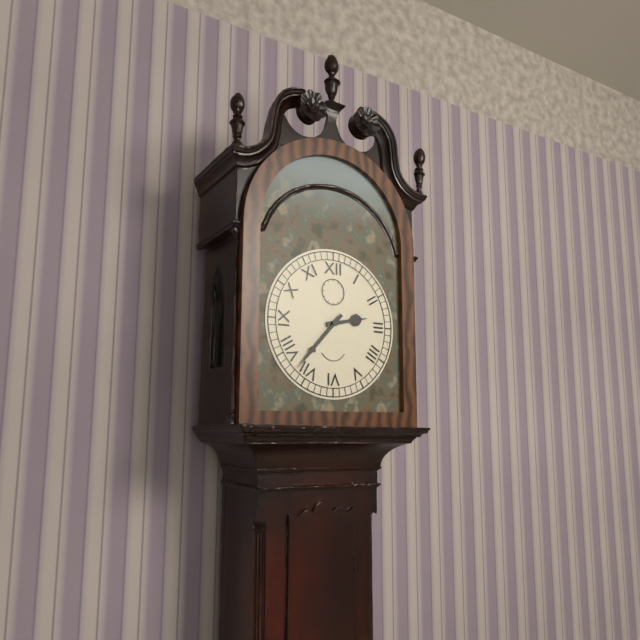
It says 2:37
